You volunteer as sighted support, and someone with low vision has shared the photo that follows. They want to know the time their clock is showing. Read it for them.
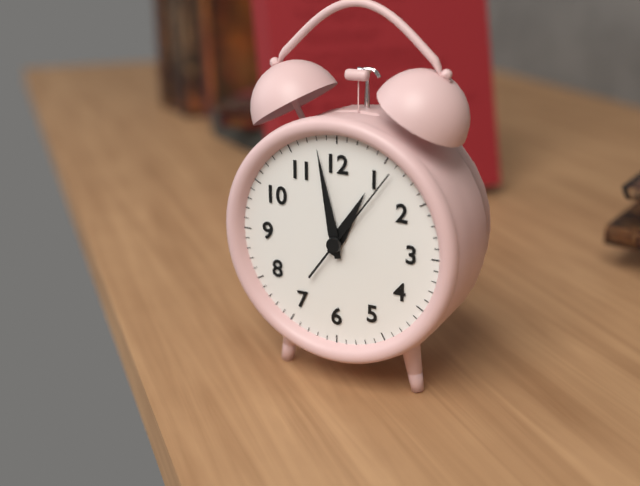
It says 12:58:06
